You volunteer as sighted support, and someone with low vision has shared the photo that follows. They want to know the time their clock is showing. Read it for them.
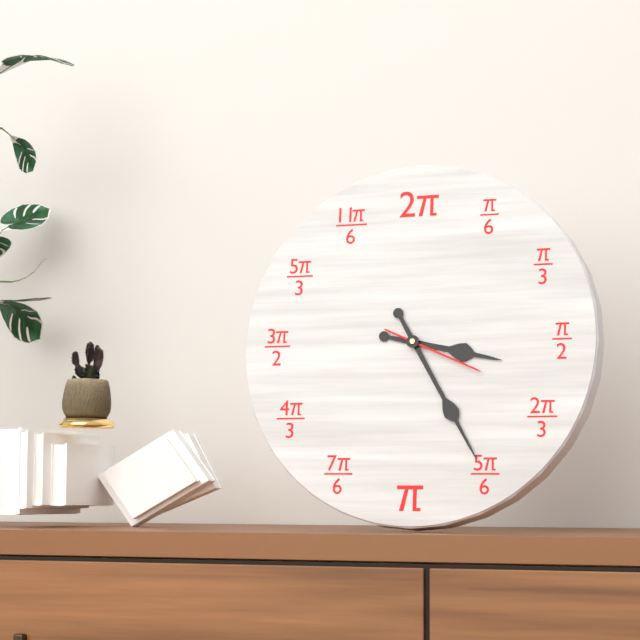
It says 3:25:19
